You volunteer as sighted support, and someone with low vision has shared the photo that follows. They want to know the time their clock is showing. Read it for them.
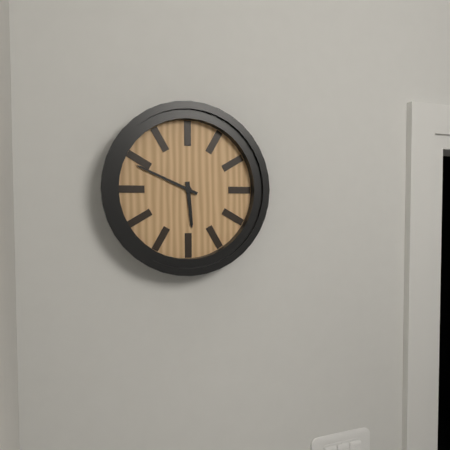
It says 5:49
